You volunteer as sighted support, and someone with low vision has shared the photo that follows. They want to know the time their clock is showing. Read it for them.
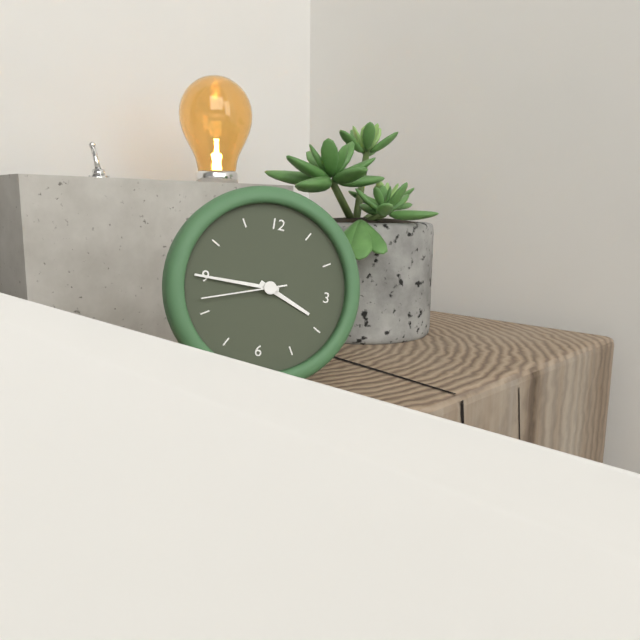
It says 3:45:42
